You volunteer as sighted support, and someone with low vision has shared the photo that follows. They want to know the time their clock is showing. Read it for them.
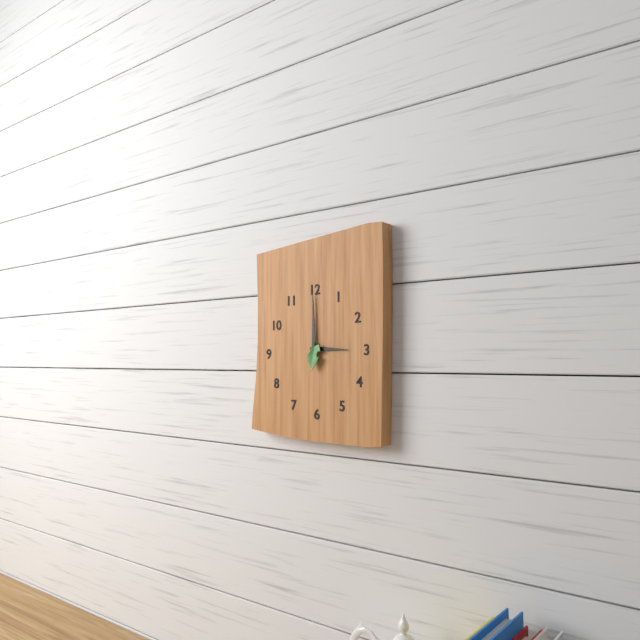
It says 3:00
